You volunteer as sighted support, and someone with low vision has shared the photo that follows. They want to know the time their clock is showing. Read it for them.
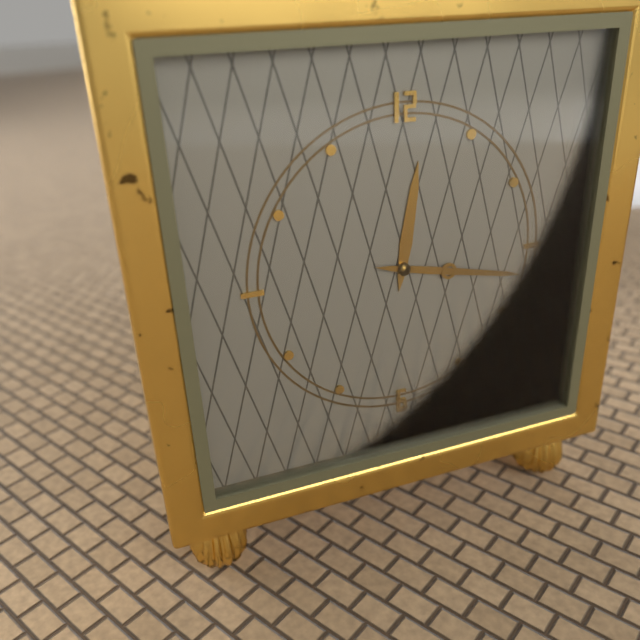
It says 12:17
